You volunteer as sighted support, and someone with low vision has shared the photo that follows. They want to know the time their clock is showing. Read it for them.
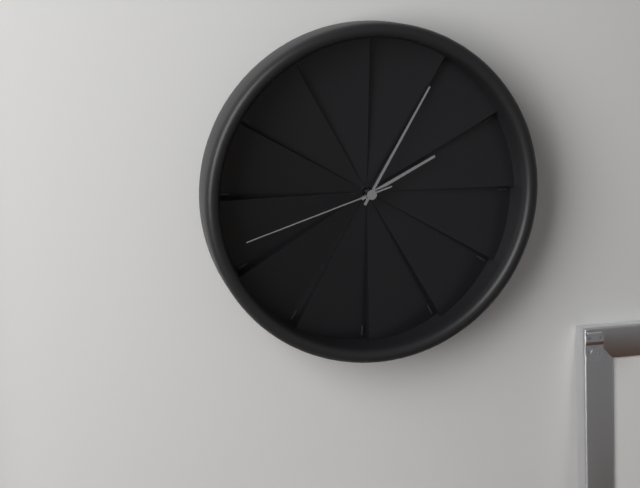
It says 2:05:42
